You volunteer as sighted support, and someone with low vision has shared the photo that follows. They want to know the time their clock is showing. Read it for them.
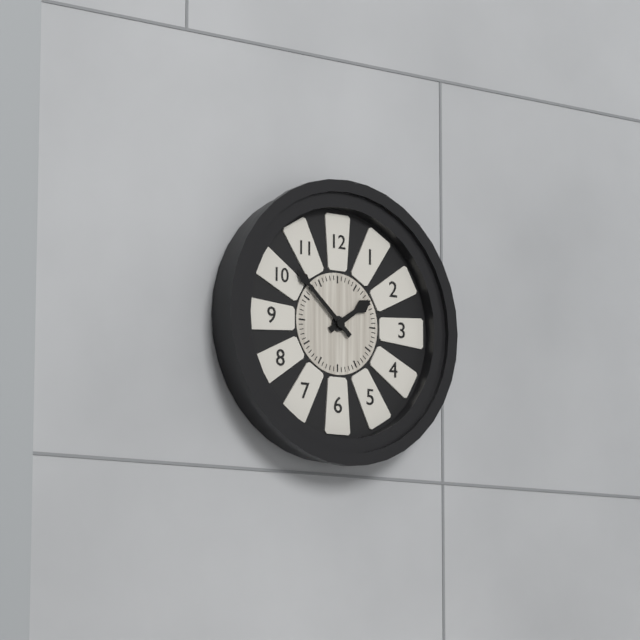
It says 1:52
